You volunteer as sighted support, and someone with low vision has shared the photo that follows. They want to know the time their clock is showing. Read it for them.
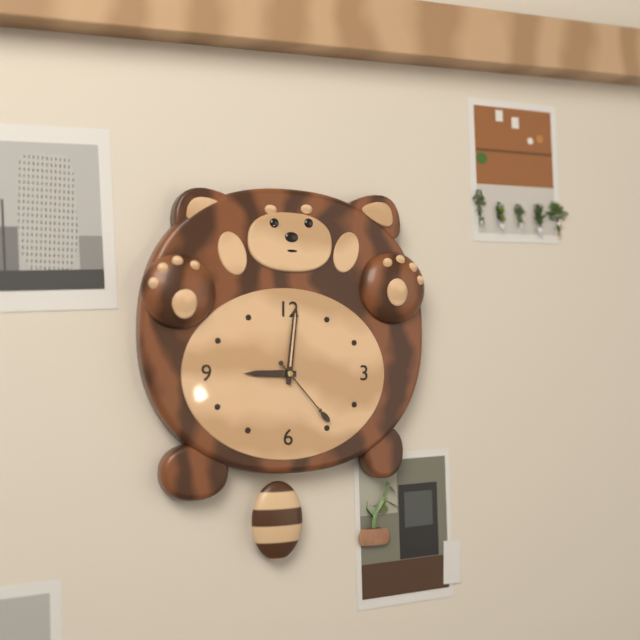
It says 9:01:23
